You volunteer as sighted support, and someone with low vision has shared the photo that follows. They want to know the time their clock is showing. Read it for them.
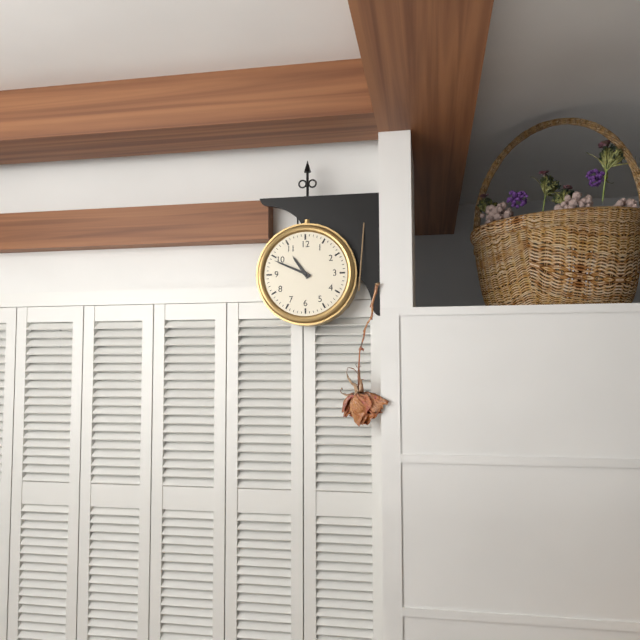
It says 10:49
